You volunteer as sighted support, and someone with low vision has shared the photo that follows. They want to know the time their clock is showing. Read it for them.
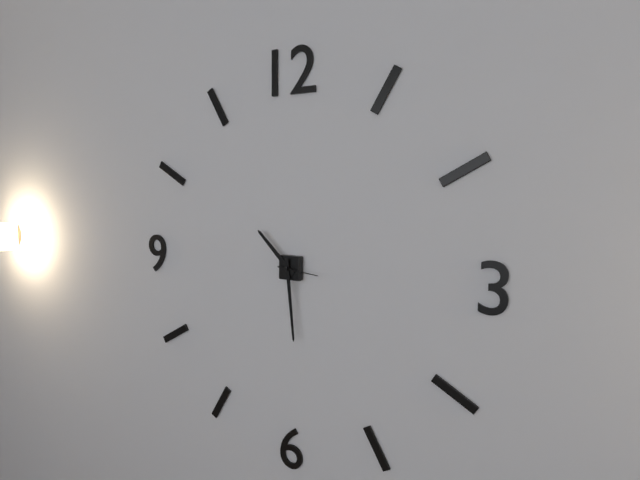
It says 10:29
